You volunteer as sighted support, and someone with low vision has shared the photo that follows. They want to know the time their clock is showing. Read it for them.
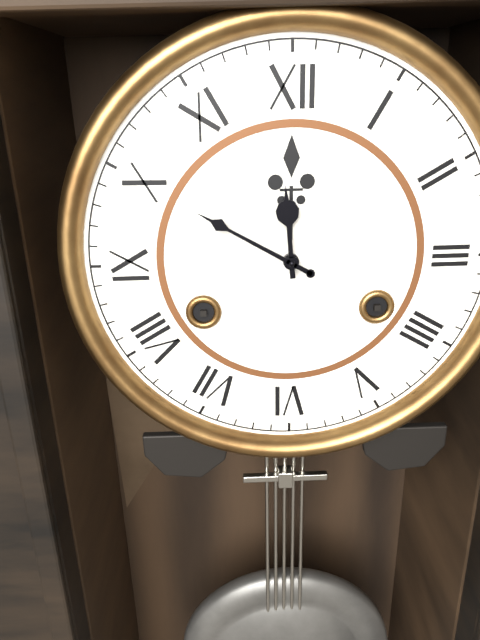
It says 11:50
